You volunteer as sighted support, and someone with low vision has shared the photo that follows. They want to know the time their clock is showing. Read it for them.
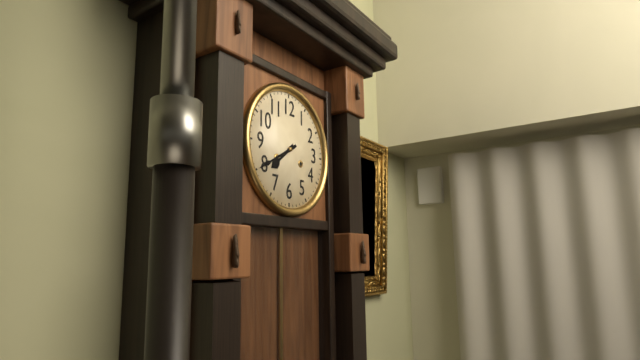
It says 7:40
